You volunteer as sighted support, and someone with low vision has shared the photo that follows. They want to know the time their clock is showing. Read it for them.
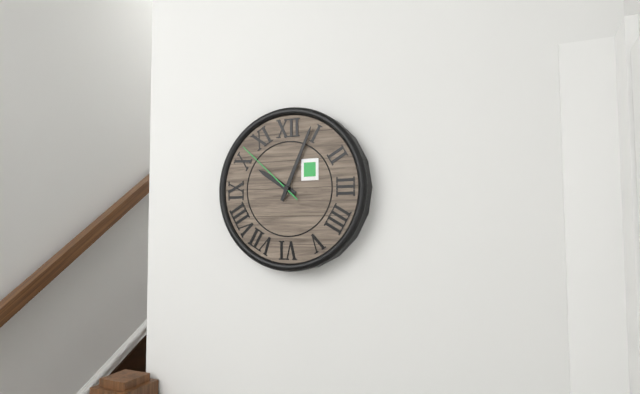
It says 10:04:52
